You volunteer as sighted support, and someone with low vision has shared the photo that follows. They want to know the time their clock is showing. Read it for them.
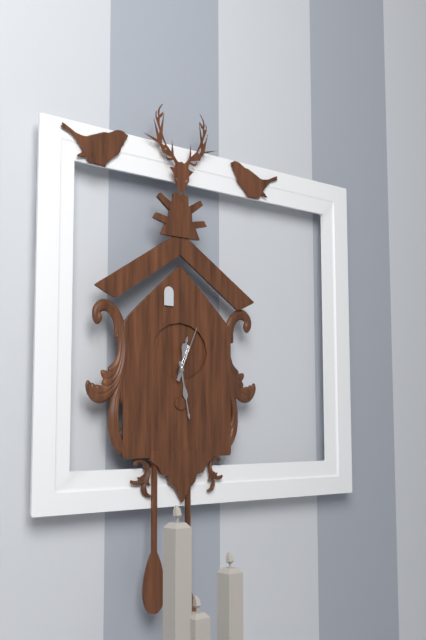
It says 12:28:04
